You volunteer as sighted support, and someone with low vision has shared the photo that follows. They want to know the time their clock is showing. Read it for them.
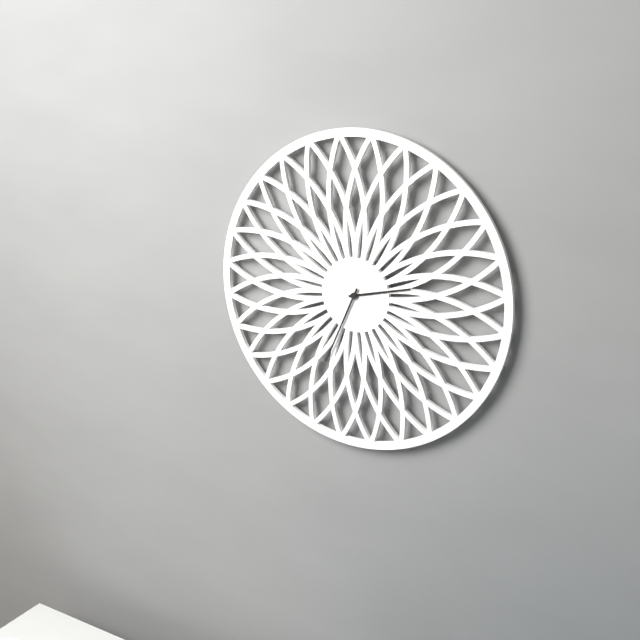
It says 2:34
